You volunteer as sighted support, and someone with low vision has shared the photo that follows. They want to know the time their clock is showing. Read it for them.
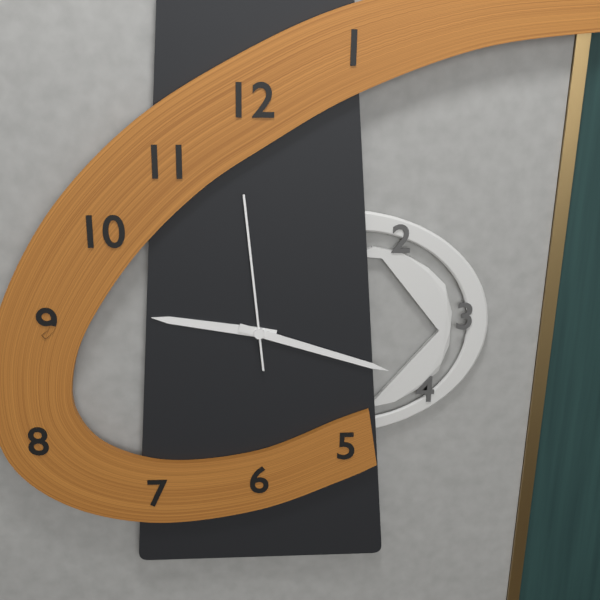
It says 9:18:59
